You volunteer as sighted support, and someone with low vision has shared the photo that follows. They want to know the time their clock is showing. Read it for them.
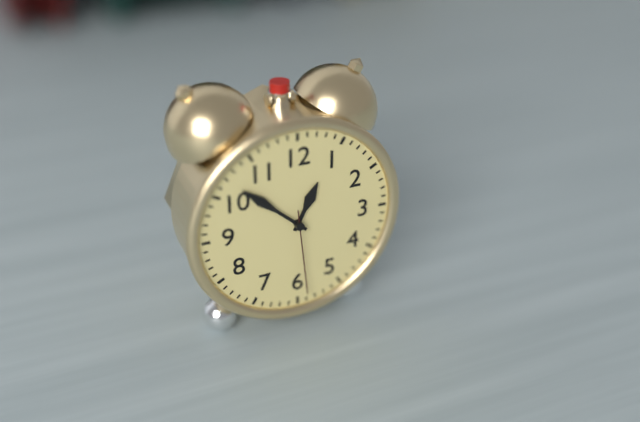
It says 12:52:29
